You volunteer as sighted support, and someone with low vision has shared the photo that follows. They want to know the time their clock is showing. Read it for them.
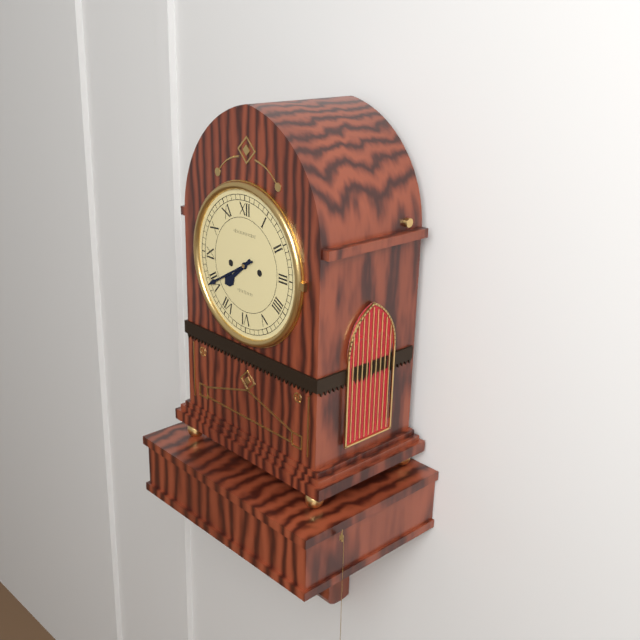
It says 7:40
